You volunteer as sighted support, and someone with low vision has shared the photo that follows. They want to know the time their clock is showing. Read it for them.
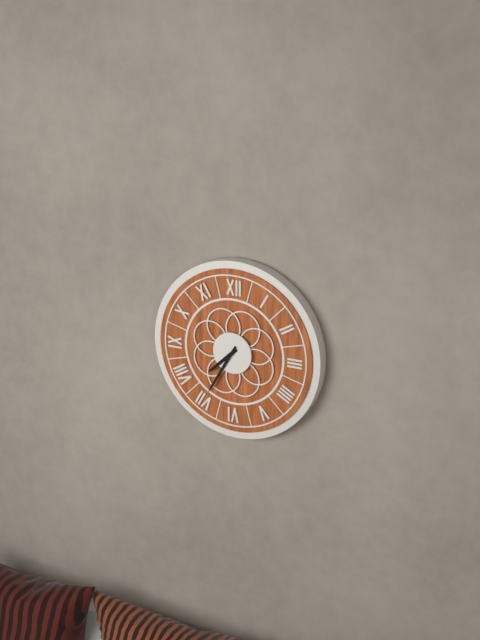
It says 7:35
